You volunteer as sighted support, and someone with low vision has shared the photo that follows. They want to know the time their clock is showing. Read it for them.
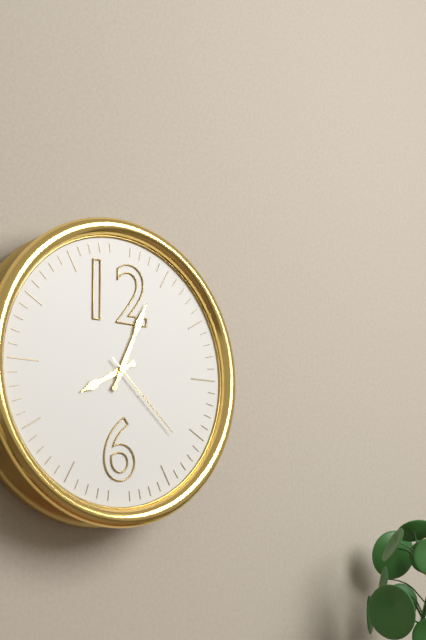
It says 8:04:22
